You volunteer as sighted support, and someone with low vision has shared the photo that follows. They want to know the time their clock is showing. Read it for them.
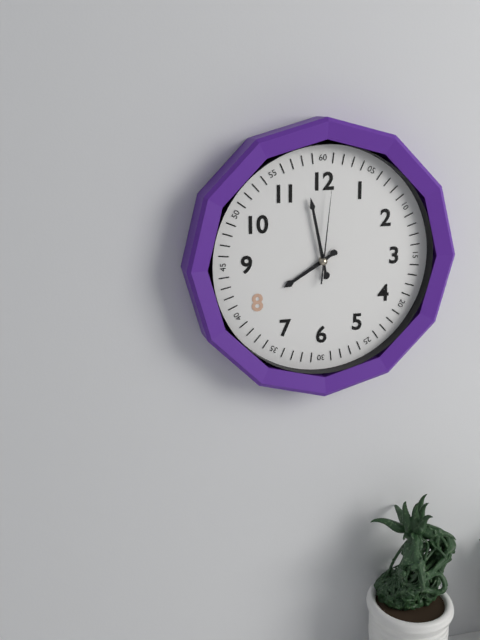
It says 7:58:01
